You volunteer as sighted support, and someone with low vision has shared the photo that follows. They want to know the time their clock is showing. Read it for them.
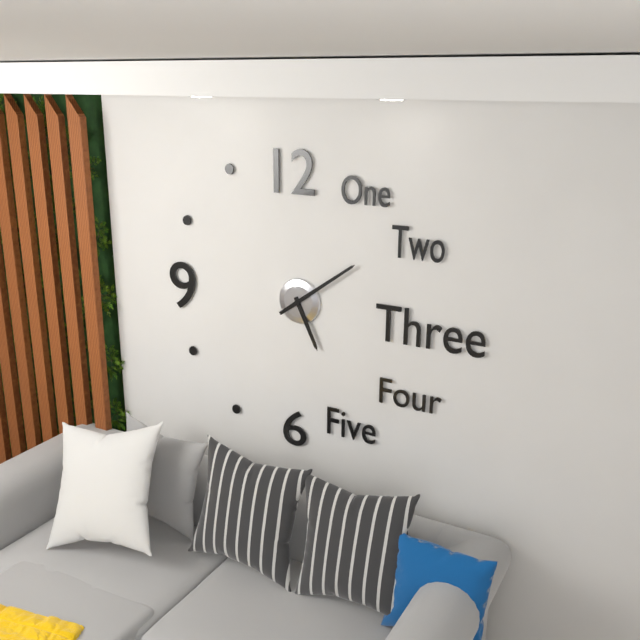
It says 5:09
